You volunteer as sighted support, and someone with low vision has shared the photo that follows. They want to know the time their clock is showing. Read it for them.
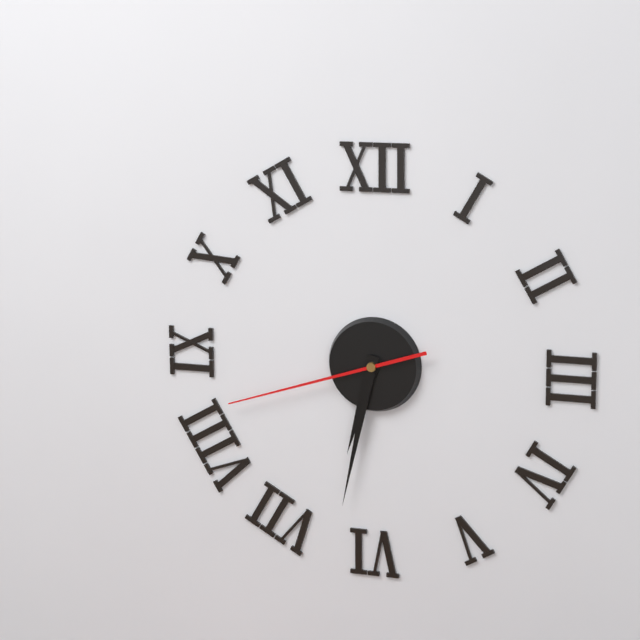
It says 6:32:42
